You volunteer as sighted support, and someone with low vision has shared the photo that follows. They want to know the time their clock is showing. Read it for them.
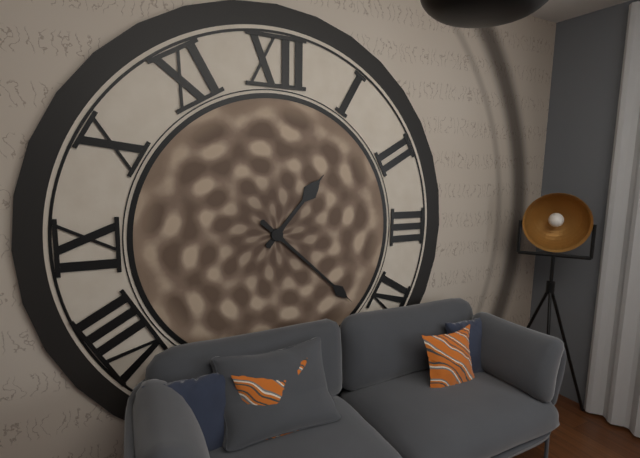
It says 1:22
